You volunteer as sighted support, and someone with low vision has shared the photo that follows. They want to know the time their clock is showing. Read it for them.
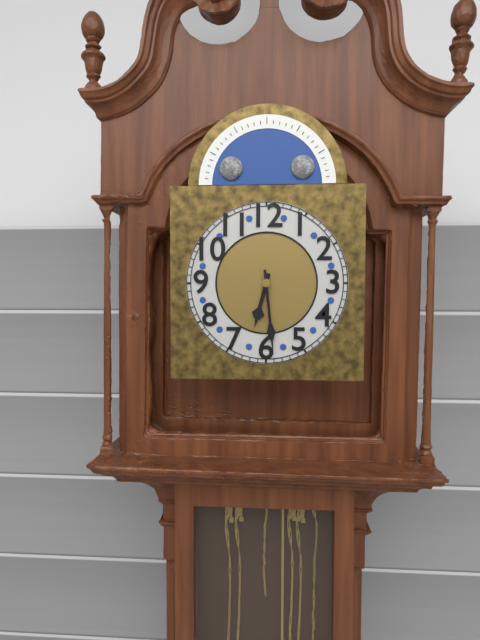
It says 6:29
